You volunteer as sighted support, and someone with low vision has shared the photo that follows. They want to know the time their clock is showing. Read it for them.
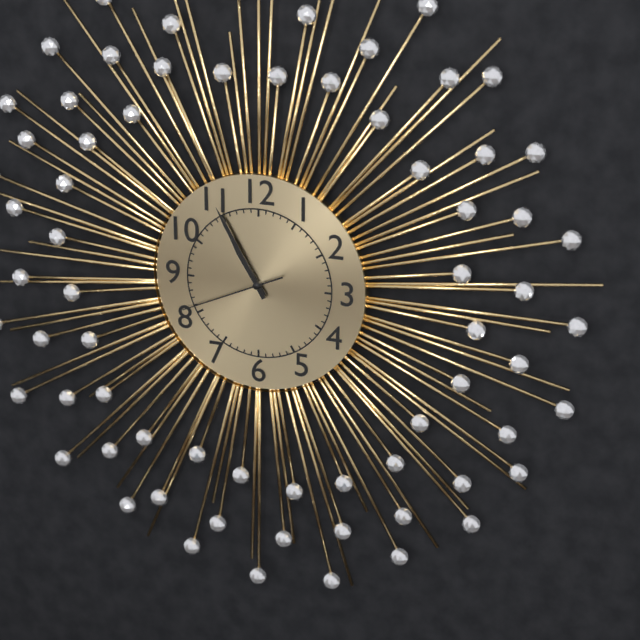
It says 10:55:41
